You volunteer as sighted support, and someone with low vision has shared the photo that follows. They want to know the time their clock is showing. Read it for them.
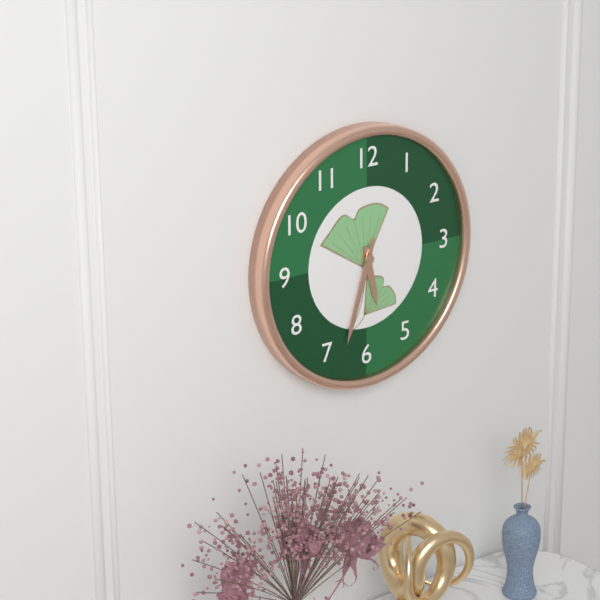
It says 5:33
